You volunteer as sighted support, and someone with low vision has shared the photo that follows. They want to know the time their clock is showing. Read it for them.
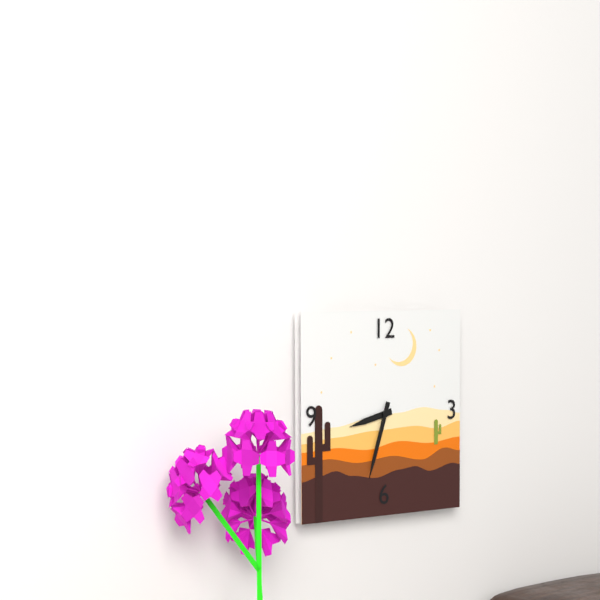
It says 8:33
